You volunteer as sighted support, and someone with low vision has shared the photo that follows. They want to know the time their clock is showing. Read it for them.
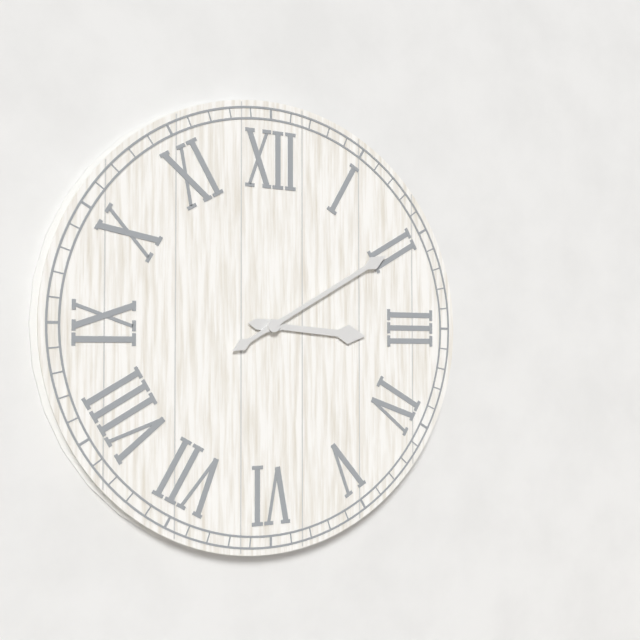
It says 3:10
